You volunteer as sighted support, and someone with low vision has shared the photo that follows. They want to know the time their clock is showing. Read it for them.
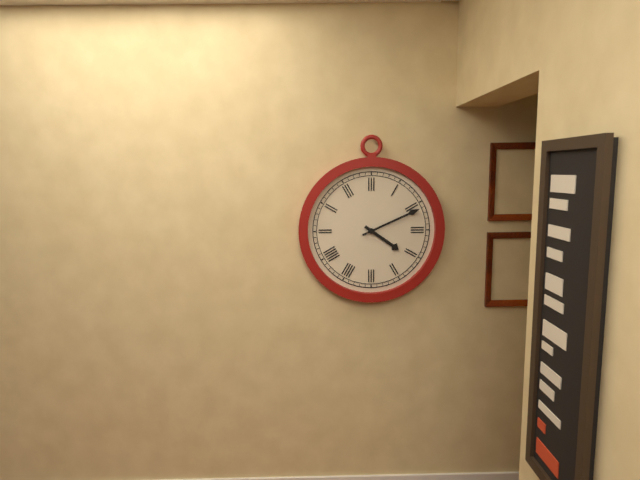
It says 4:11
